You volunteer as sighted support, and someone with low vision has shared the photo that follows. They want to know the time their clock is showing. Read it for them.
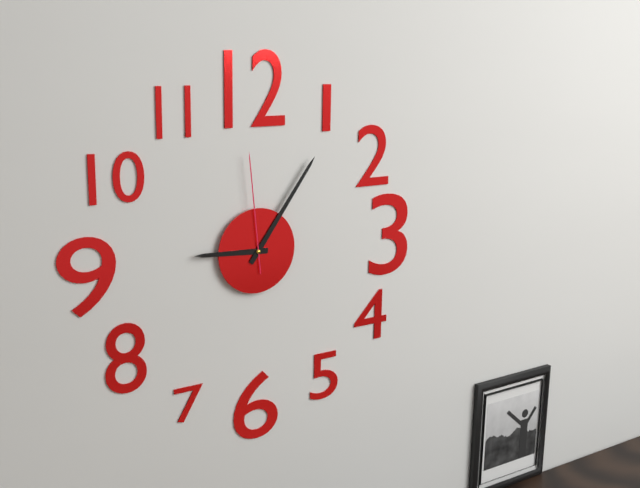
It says 9:06:59
